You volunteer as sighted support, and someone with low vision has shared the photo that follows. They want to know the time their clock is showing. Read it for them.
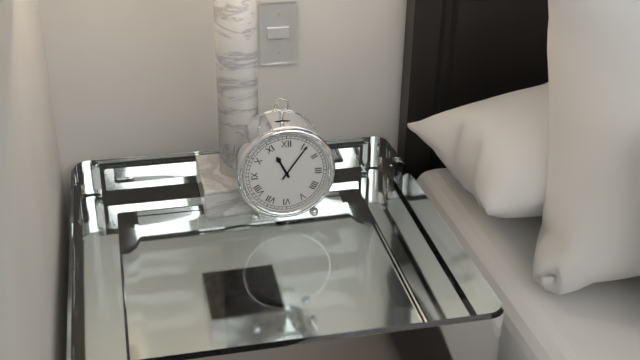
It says 11:06
